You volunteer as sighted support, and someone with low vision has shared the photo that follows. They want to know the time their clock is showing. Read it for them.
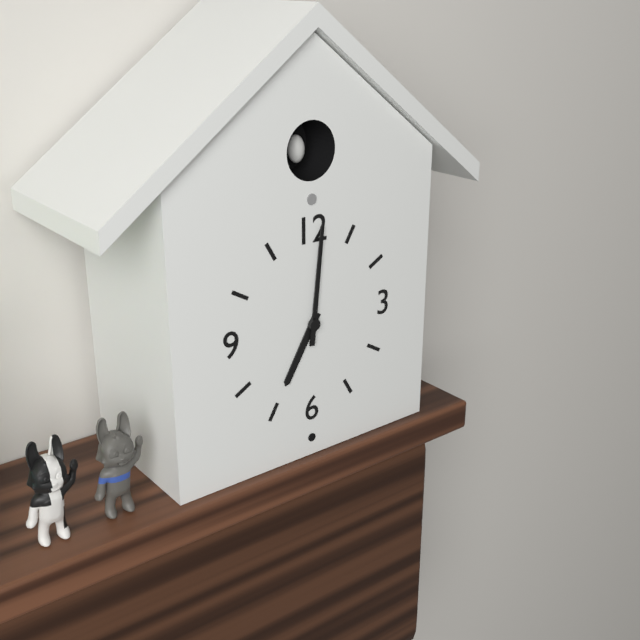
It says 7:01
